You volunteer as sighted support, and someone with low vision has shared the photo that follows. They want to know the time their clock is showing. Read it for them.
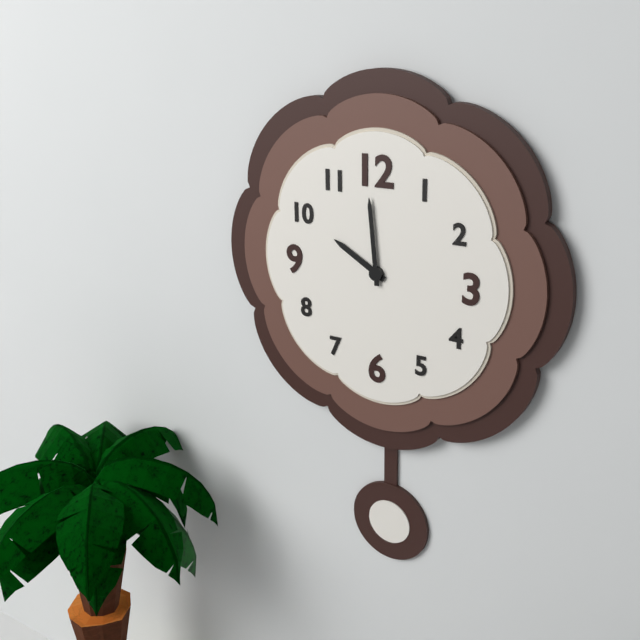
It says 9:59
